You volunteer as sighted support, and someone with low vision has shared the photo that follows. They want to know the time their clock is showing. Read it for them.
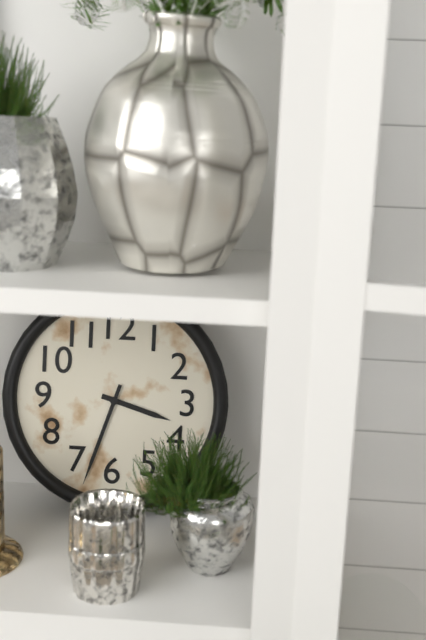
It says 3:33
